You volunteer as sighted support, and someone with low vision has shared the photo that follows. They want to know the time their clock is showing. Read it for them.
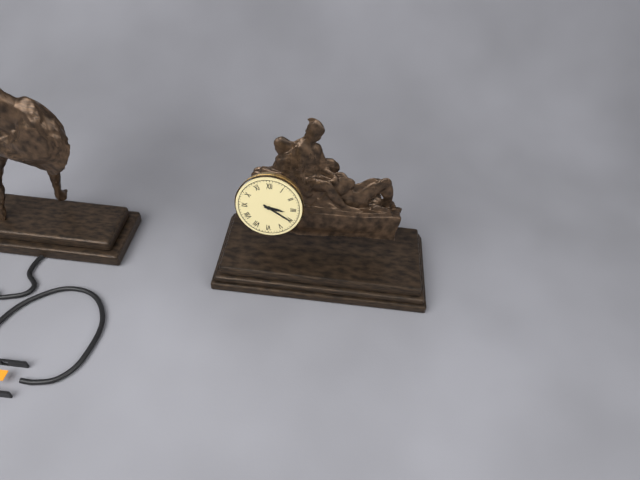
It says 3:20
